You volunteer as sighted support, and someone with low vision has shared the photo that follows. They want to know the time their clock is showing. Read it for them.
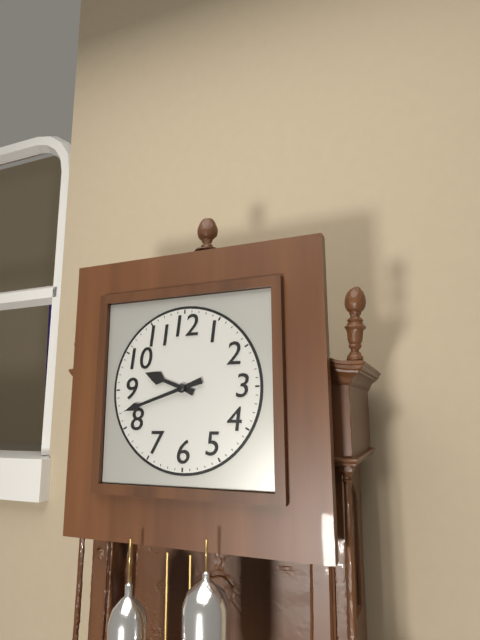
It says 9:42
